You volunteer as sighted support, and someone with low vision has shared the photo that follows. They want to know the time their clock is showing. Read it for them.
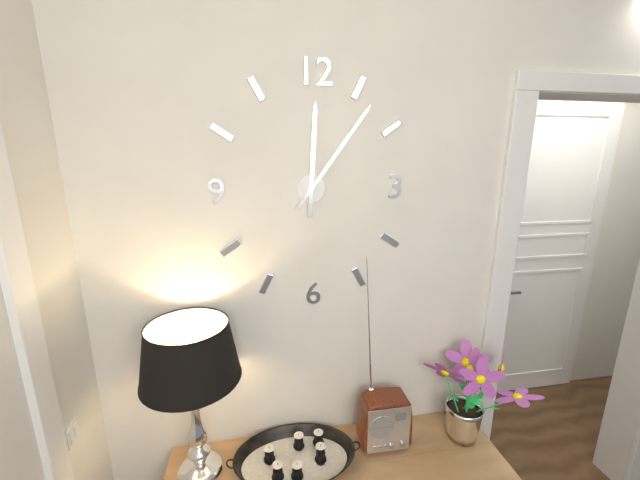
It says 12:06
